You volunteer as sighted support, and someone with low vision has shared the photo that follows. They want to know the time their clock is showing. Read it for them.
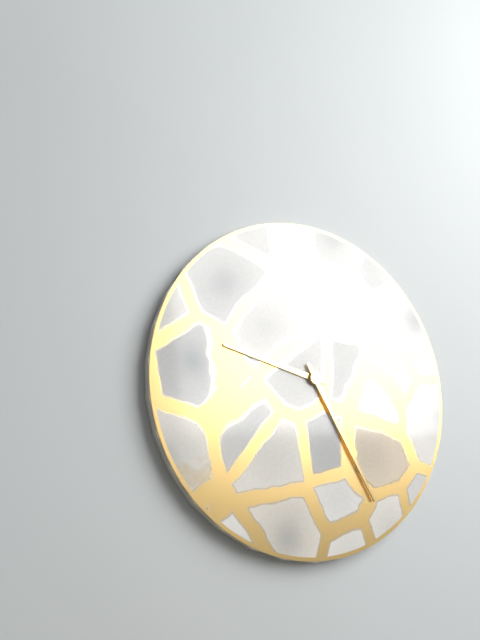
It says 9:25
